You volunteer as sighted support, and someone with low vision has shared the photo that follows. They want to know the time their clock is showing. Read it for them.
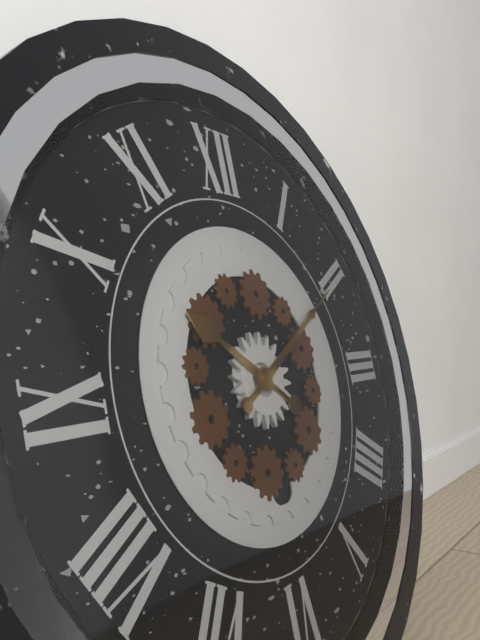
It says 10:10
